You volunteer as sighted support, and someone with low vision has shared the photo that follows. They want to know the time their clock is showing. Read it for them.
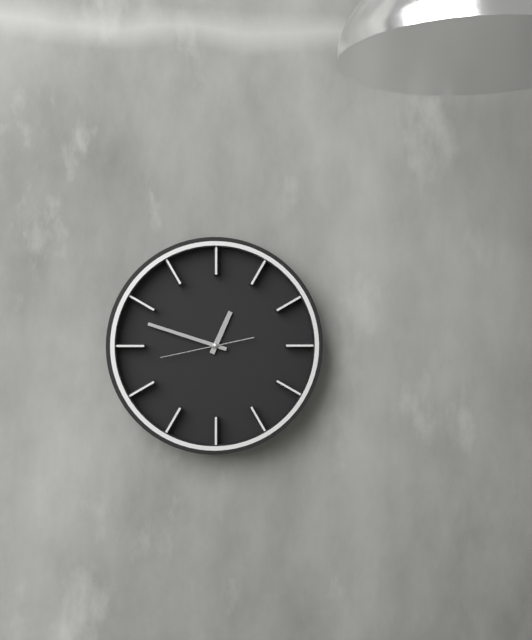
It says 12:48:43
